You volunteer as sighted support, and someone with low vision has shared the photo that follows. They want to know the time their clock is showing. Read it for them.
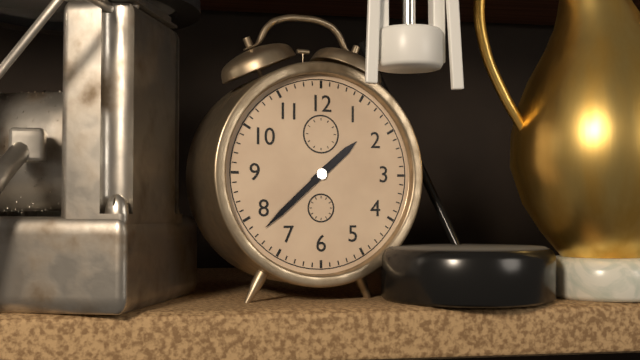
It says 1:38
